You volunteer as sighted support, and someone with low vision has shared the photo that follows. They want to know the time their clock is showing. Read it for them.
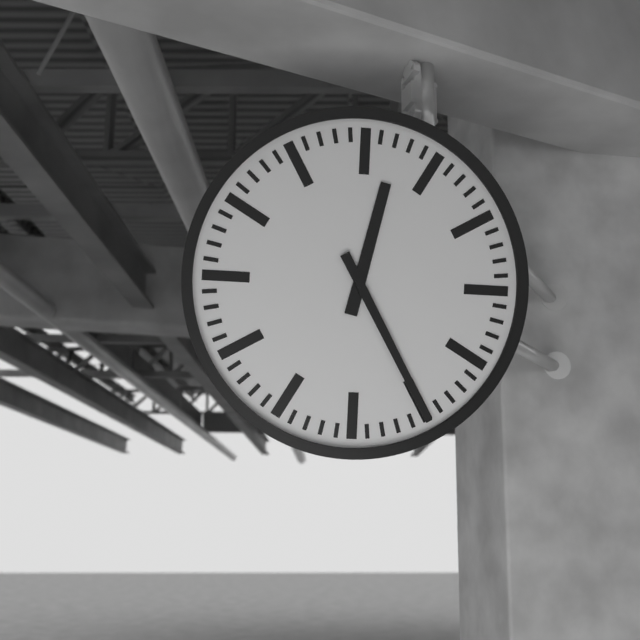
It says 12:25
